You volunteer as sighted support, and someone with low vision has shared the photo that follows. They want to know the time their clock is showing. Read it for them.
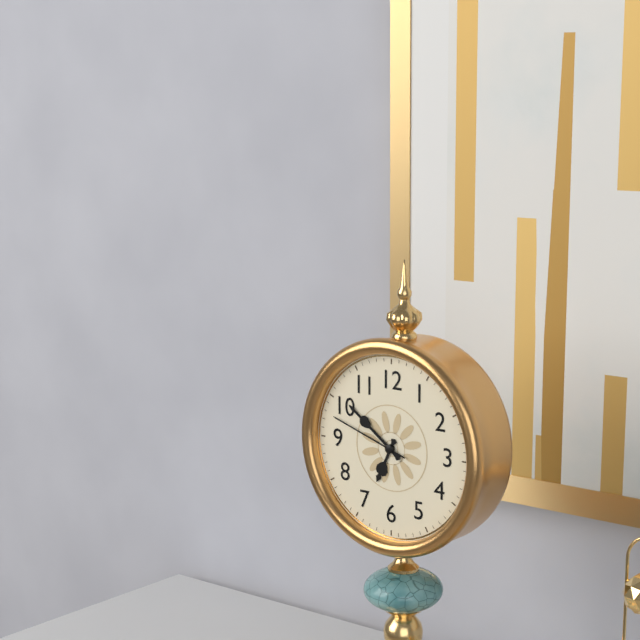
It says 6:51:48
